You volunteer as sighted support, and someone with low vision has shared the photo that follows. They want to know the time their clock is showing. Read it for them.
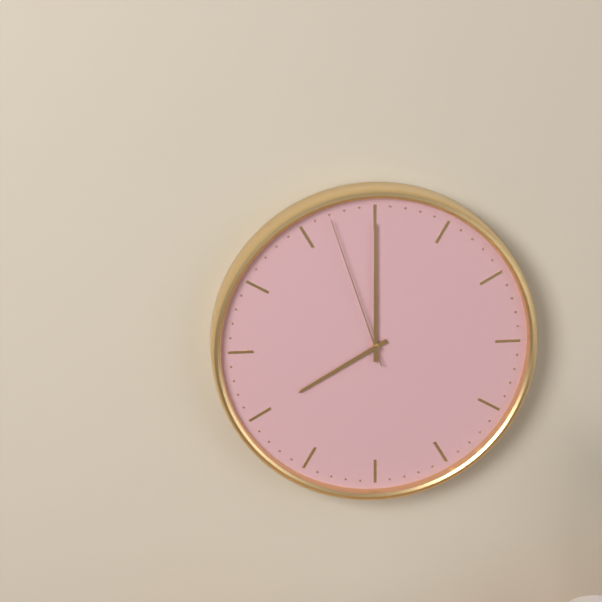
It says 8:00:57
